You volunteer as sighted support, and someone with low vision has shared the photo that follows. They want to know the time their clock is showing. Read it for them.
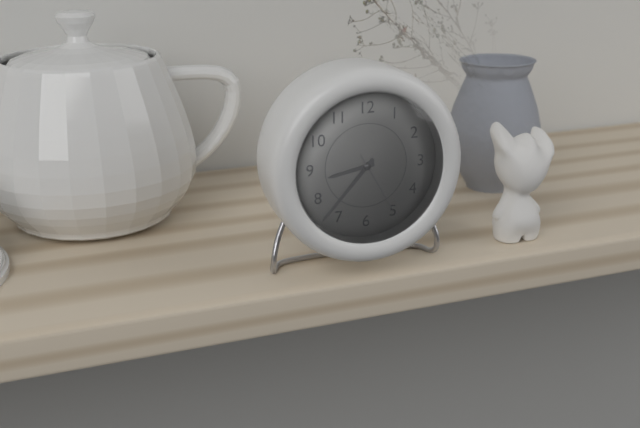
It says 8:37:25
